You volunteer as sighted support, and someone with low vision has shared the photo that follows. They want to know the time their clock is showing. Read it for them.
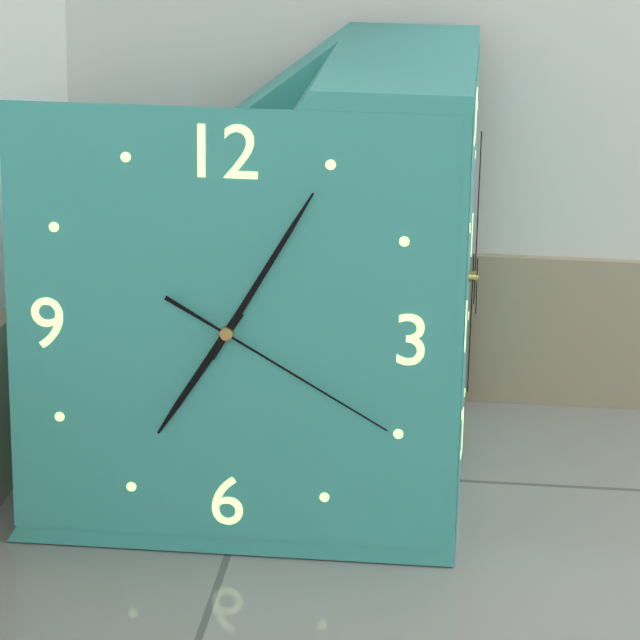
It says 7:05:20
